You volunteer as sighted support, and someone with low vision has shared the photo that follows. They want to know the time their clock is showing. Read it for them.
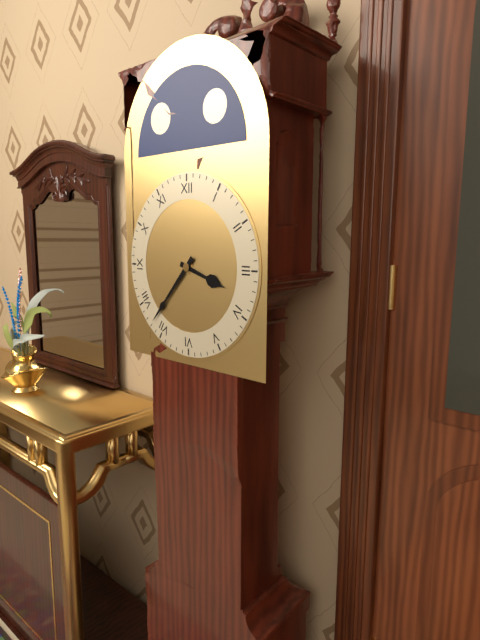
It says 3:37
